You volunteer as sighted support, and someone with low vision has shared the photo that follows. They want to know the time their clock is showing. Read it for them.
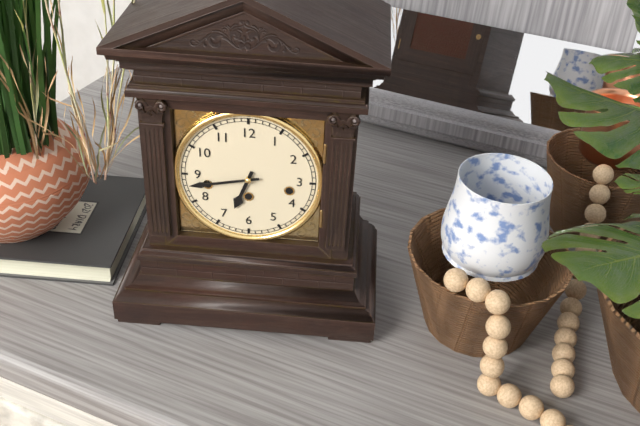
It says 6:43
